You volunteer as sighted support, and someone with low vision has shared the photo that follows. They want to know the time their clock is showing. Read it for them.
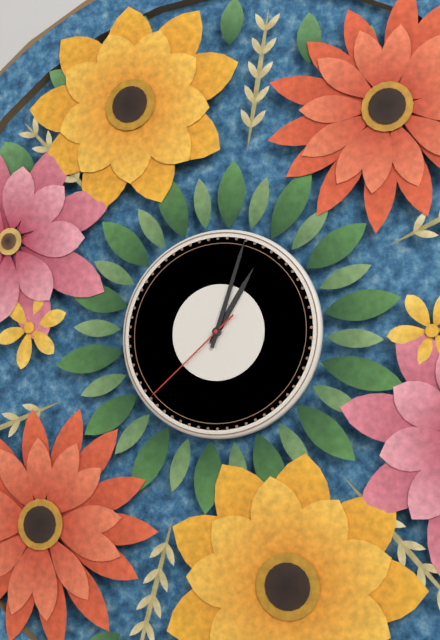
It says 1:03:38
